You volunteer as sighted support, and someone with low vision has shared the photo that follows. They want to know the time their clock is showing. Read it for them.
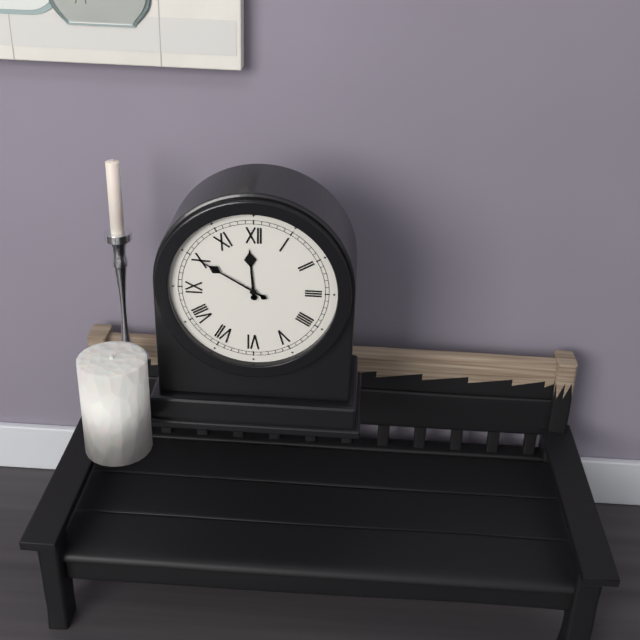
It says 11:50
